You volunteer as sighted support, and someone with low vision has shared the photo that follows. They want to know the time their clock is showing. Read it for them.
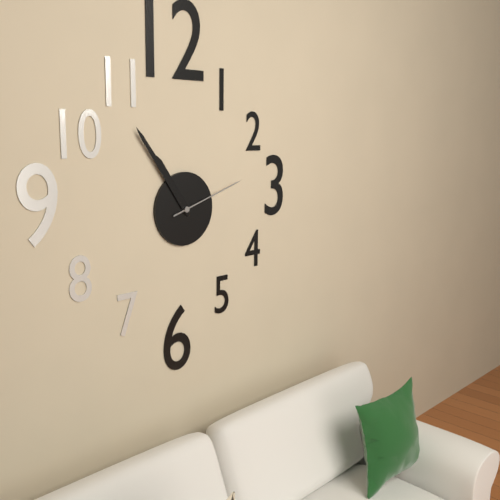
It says 10:54:12
